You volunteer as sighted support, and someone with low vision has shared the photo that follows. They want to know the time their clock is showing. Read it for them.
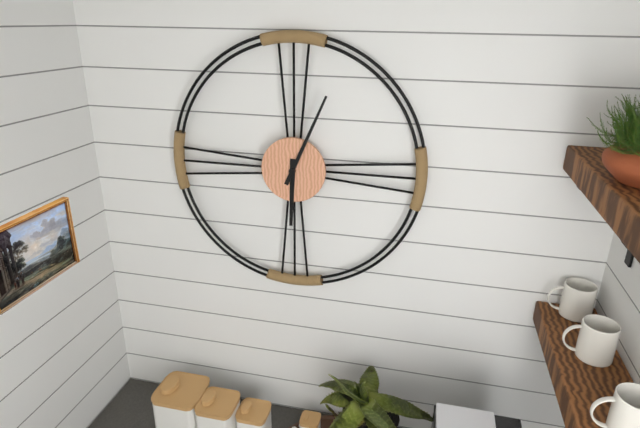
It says 6:04
